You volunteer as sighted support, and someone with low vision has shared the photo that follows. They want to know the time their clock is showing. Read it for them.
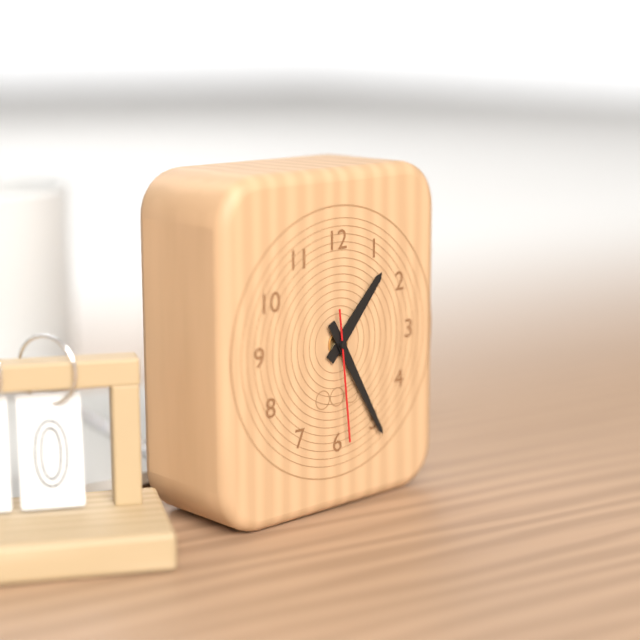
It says 1:25:29
